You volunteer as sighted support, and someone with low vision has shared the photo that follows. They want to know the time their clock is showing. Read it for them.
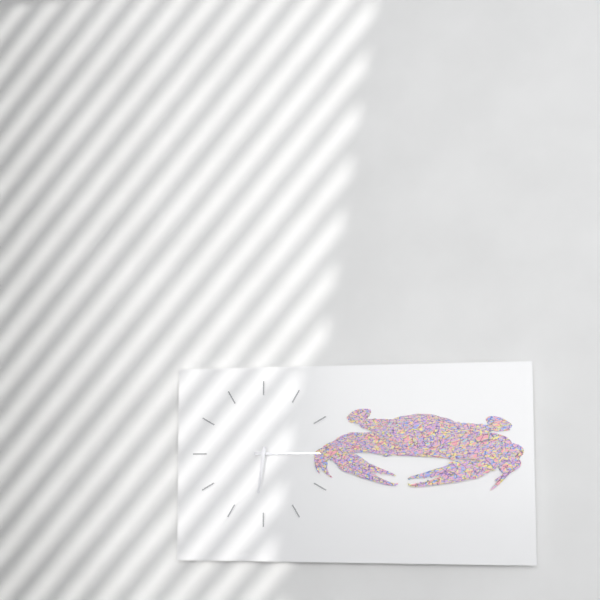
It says 6:15
